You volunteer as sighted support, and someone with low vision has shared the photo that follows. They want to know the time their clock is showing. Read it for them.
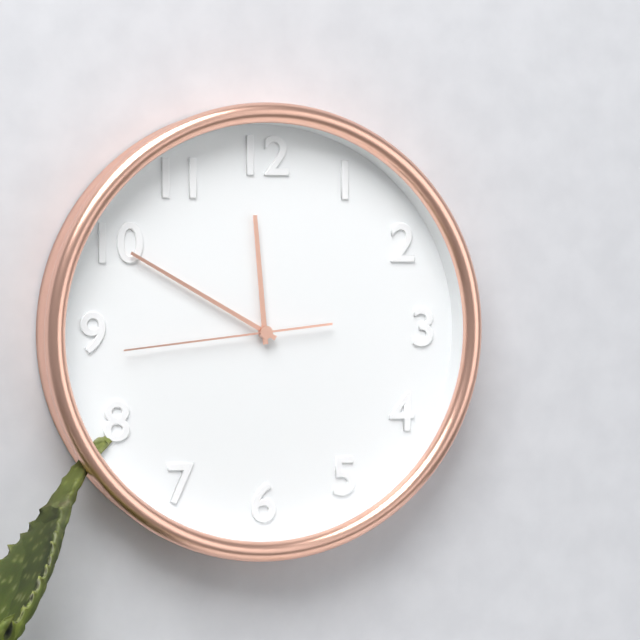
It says 11:50:44
